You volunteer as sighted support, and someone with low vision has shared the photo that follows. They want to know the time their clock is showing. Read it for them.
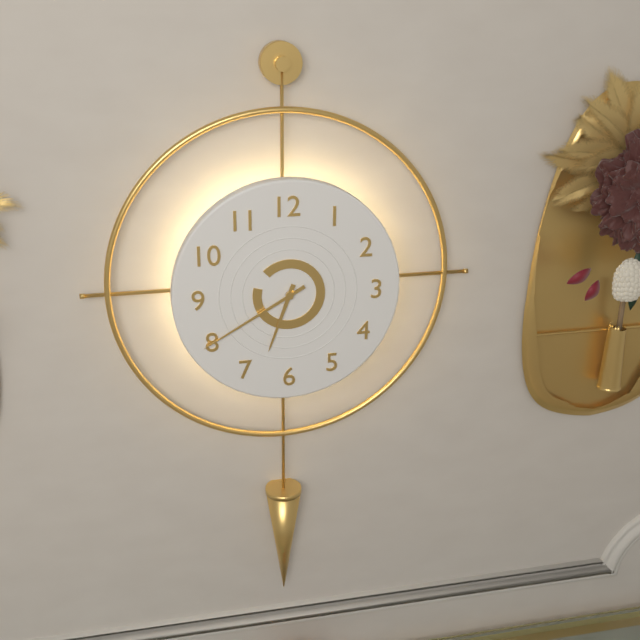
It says 6:40
